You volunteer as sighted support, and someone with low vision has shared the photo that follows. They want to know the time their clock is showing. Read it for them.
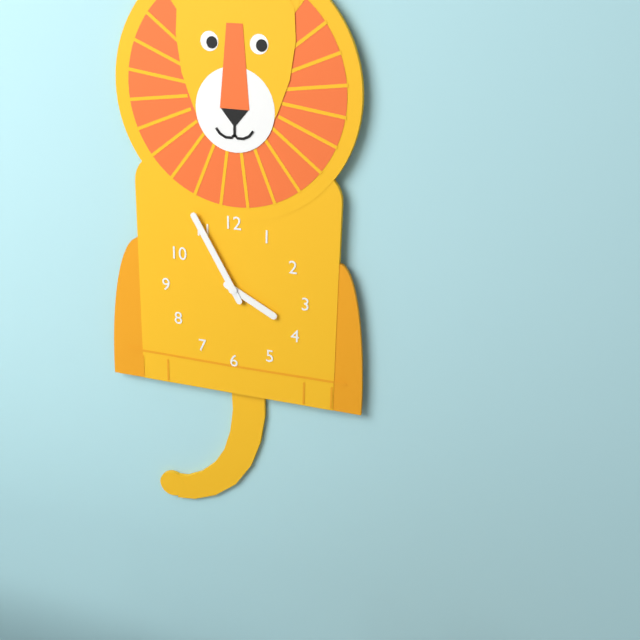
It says 3:55
